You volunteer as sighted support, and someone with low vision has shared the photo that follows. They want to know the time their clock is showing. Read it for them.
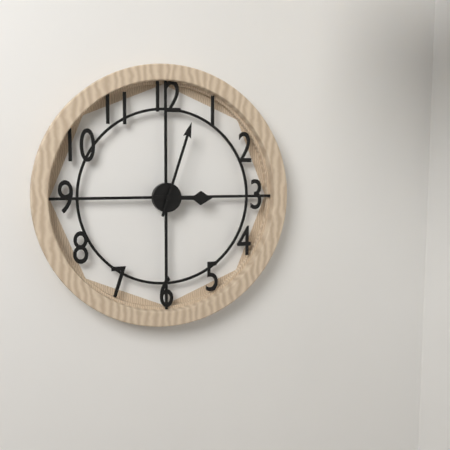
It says 3:03
